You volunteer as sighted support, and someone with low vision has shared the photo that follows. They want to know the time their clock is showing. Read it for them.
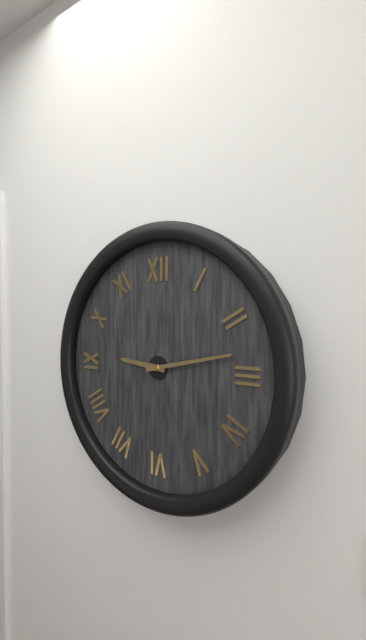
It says 9:13
